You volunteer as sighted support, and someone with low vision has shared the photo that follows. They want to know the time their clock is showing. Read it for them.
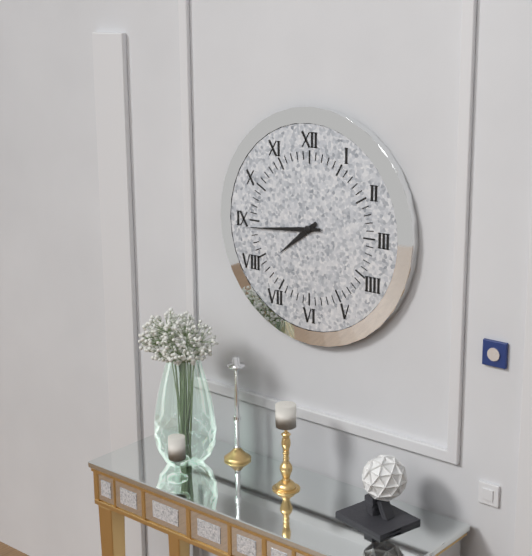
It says 7:44
